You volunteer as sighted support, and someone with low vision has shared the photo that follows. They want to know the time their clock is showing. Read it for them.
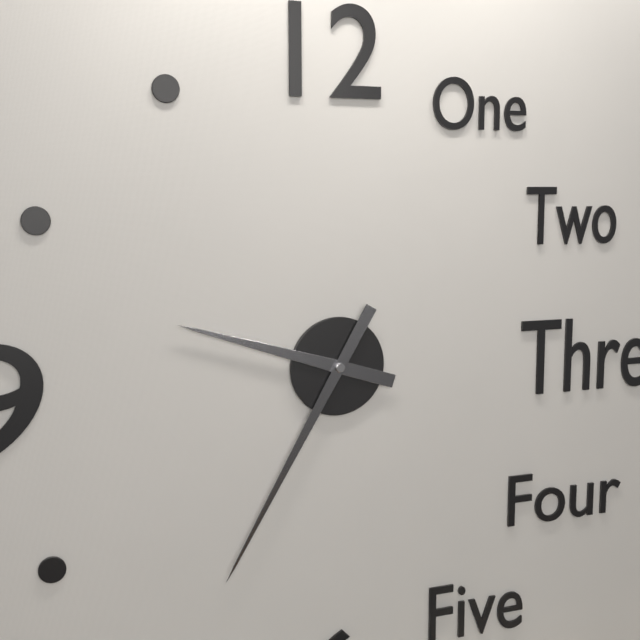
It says 9:35
